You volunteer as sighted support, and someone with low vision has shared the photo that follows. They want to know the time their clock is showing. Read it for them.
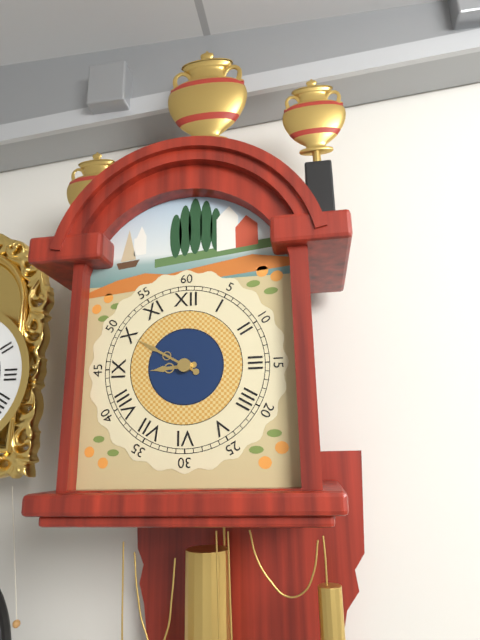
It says 8:50
